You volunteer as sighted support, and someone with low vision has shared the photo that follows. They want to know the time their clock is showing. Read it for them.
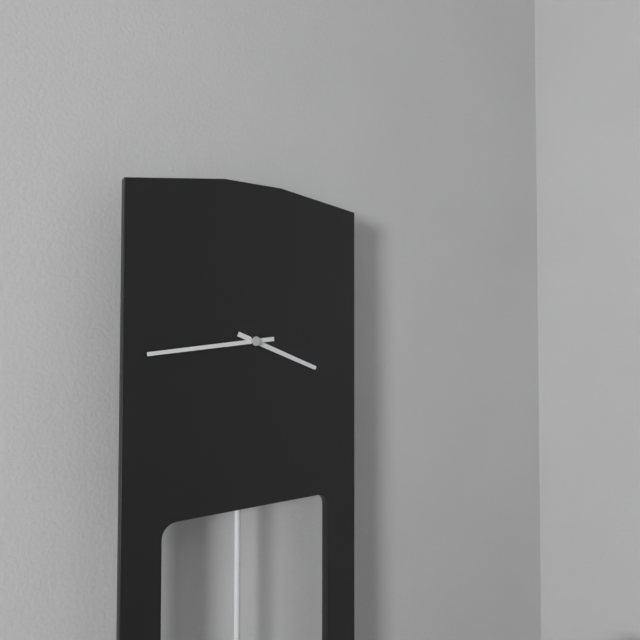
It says 3:44
